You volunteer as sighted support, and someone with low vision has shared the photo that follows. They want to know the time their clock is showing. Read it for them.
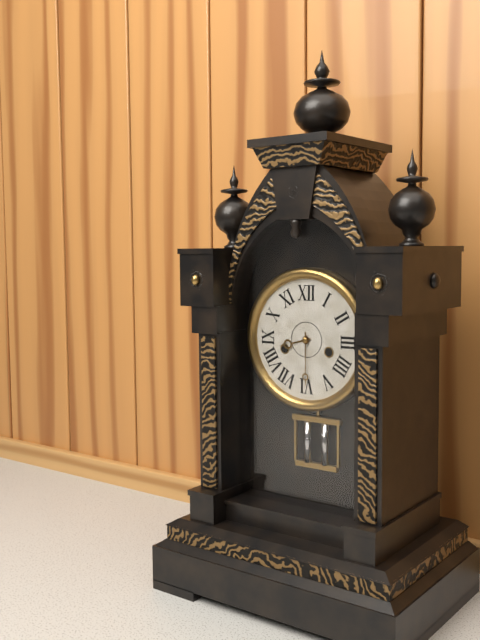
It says 8:30
